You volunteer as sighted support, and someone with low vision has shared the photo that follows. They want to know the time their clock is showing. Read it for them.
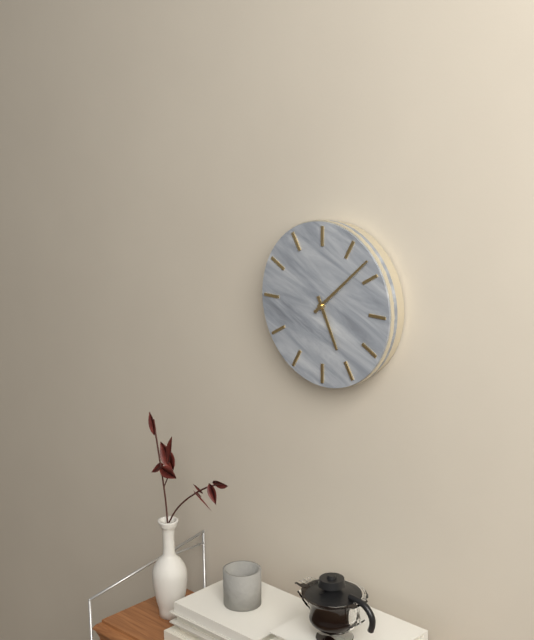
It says 5:08
